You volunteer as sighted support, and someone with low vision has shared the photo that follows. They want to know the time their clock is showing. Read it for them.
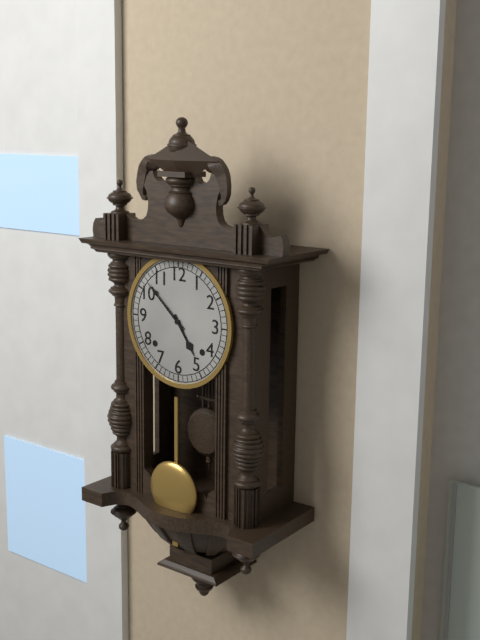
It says 4:52
